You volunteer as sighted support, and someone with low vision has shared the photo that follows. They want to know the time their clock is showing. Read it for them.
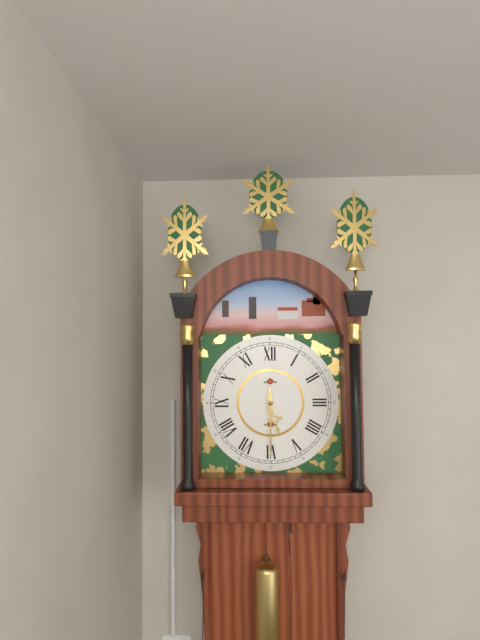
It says 5:30
